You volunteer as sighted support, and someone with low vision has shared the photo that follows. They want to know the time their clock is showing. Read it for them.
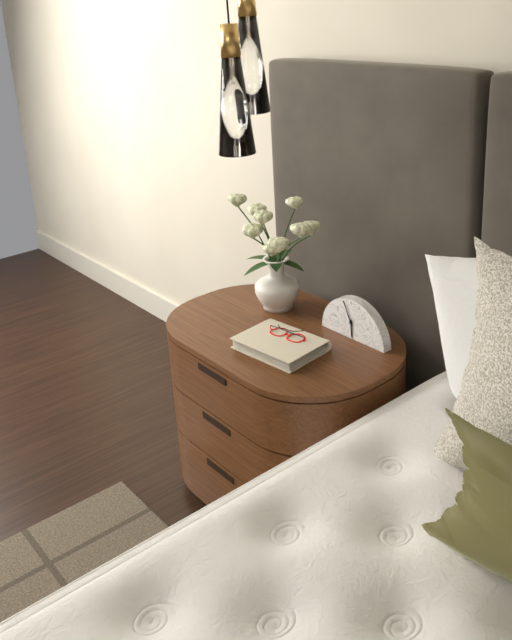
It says 5:56
